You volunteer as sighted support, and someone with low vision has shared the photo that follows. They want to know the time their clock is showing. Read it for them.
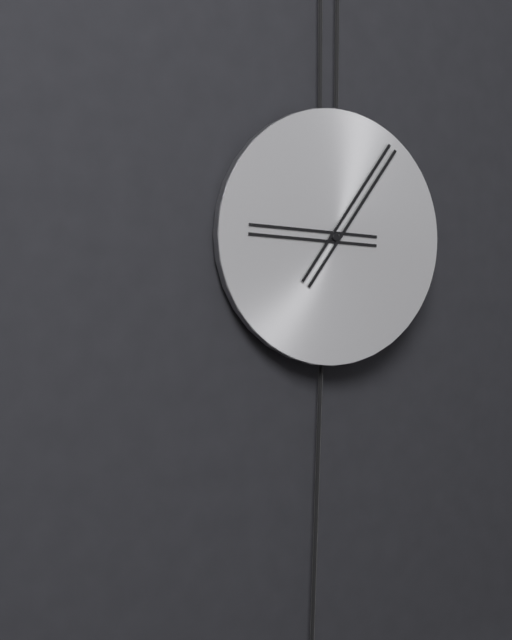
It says 9:06
